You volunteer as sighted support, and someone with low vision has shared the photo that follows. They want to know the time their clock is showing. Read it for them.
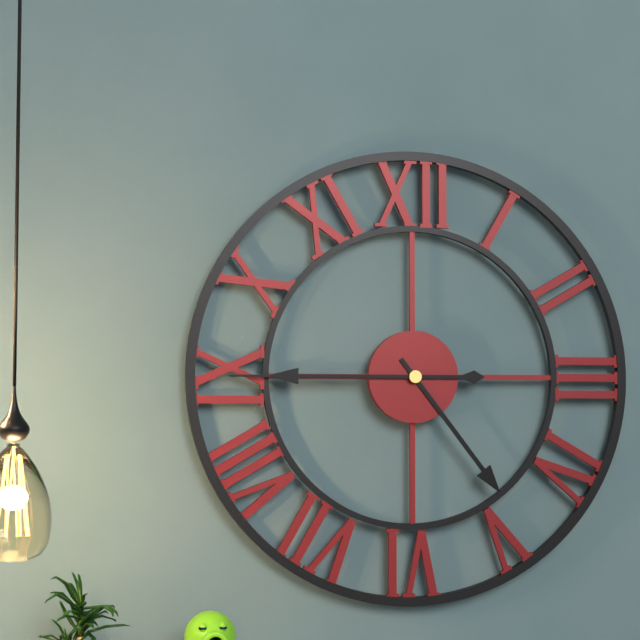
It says 4:45
